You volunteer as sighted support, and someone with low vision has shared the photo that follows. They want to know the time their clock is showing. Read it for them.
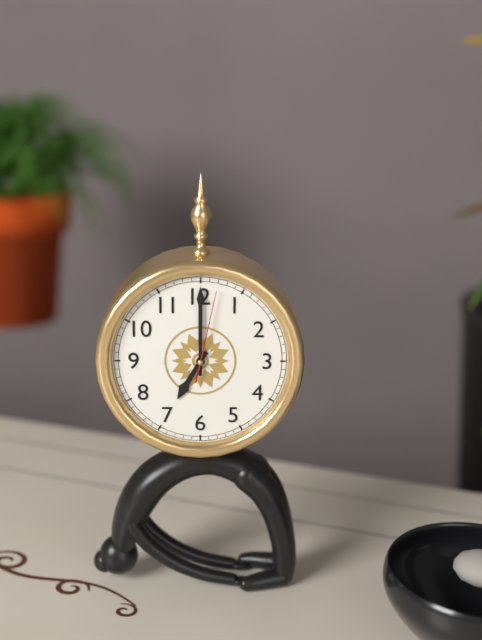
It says 7:00:02
